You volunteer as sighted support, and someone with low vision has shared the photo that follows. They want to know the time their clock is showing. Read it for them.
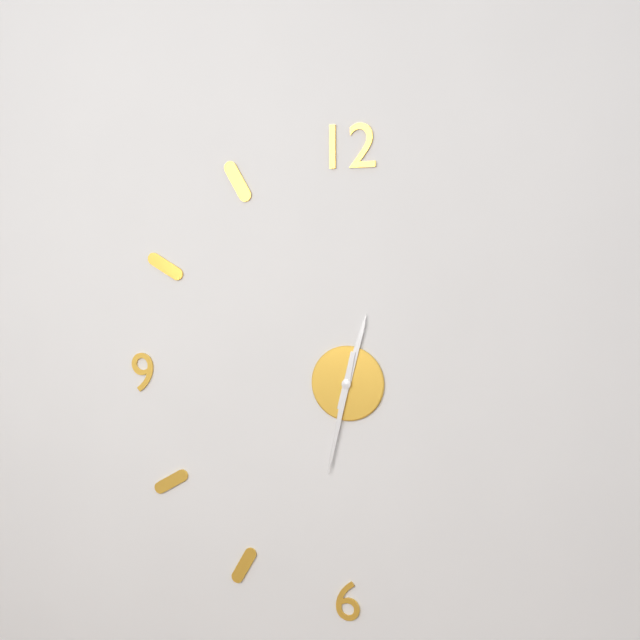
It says 12:32
